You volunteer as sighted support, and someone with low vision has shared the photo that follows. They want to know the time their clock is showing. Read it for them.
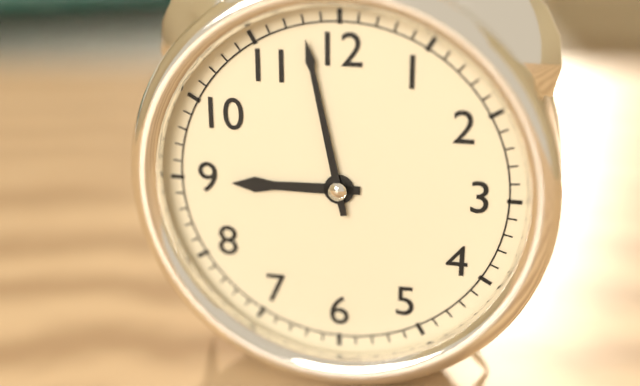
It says 8:58
